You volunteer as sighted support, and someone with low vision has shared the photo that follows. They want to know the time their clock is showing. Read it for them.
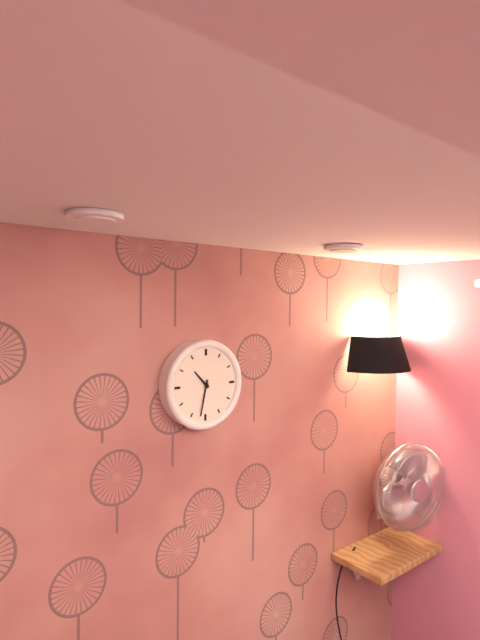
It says 10:32
